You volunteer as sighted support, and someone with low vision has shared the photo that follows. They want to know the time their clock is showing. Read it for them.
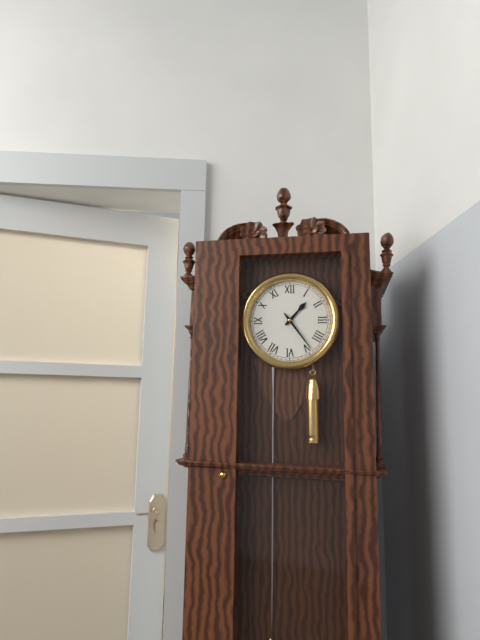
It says 1:24
